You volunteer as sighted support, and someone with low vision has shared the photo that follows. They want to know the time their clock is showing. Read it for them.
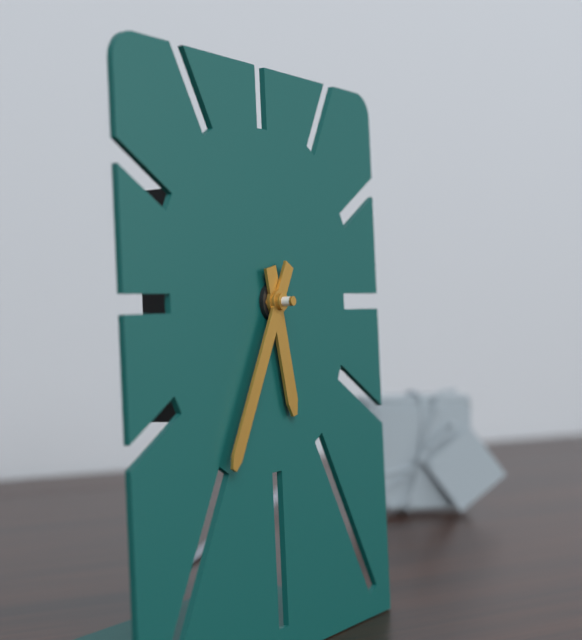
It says 5:35
